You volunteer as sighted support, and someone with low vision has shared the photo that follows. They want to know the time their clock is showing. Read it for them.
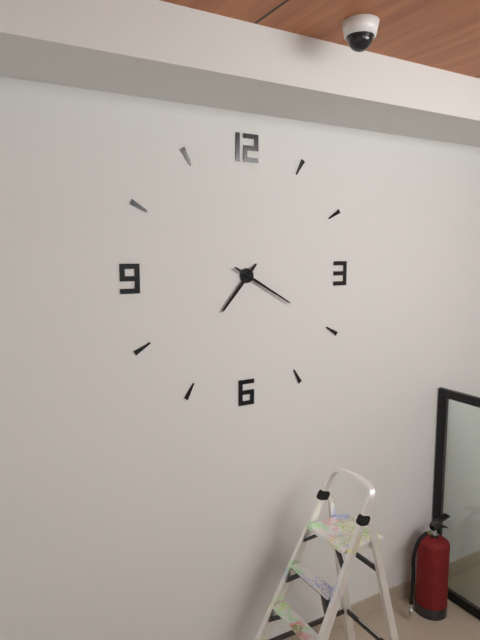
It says 7:20
